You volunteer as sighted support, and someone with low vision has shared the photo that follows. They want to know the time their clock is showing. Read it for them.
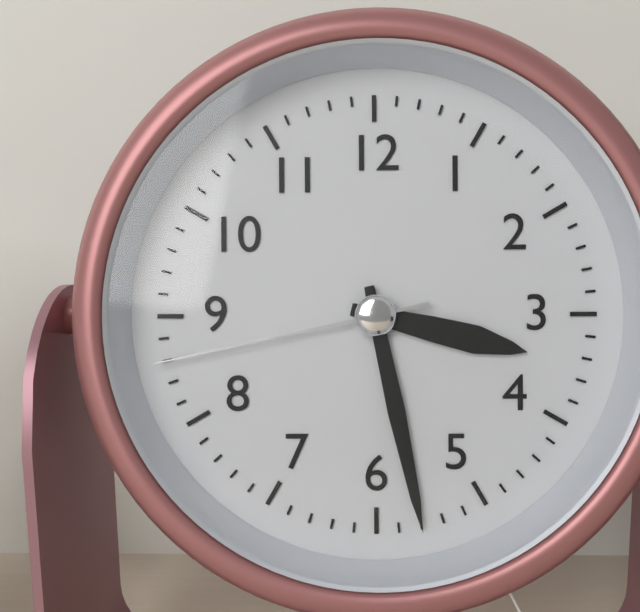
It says 3:28:43
